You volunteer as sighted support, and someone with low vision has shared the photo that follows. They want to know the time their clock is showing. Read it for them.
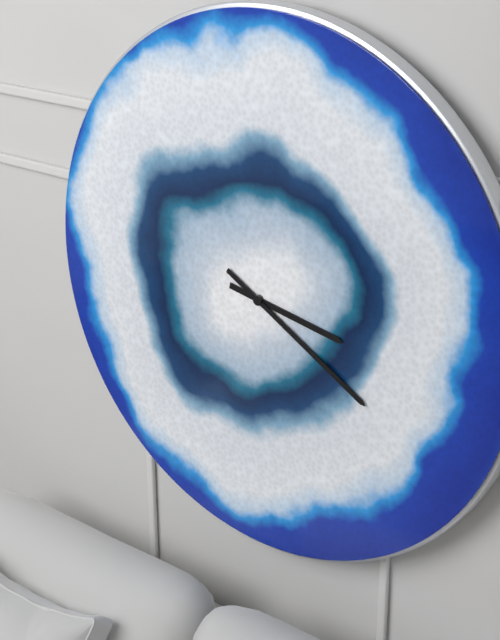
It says 3:20
